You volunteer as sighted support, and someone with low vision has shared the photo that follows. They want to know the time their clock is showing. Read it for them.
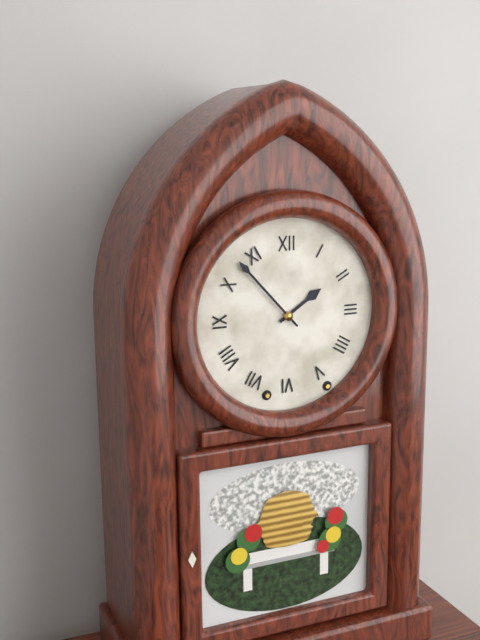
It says 1:53
